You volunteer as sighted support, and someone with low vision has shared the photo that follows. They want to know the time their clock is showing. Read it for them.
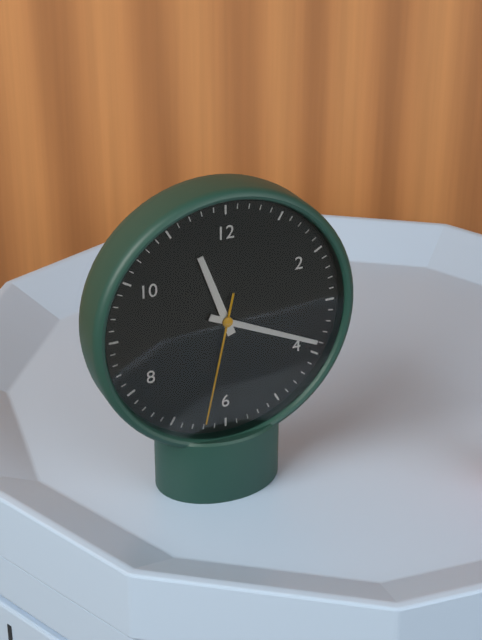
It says 11:19:32
